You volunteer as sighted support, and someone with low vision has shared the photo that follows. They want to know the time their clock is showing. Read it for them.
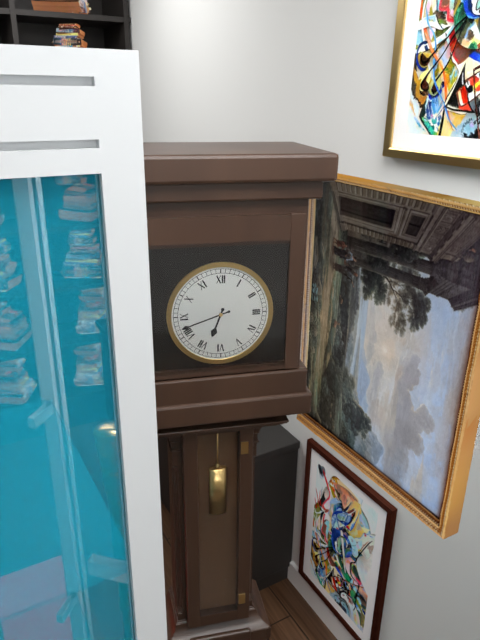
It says 6:42
